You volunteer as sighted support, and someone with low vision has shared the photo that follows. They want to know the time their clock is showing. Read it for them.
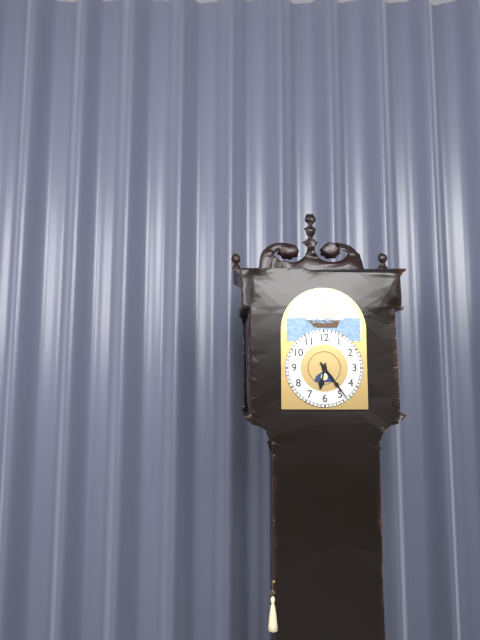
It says 6:24
